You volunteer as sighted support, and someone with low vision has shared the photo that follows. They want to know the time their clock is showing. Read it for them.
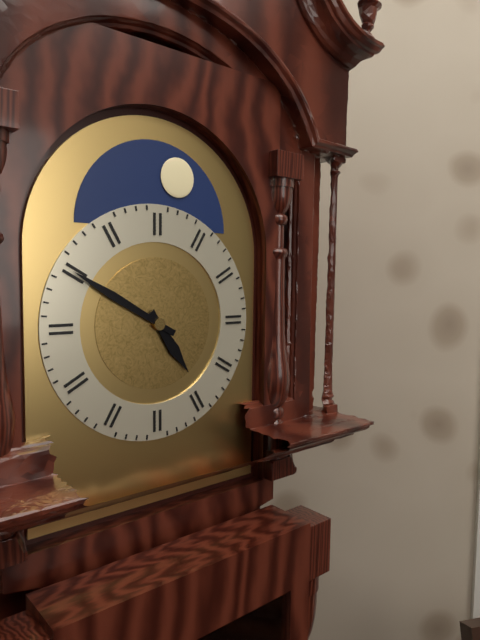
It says 4:50
